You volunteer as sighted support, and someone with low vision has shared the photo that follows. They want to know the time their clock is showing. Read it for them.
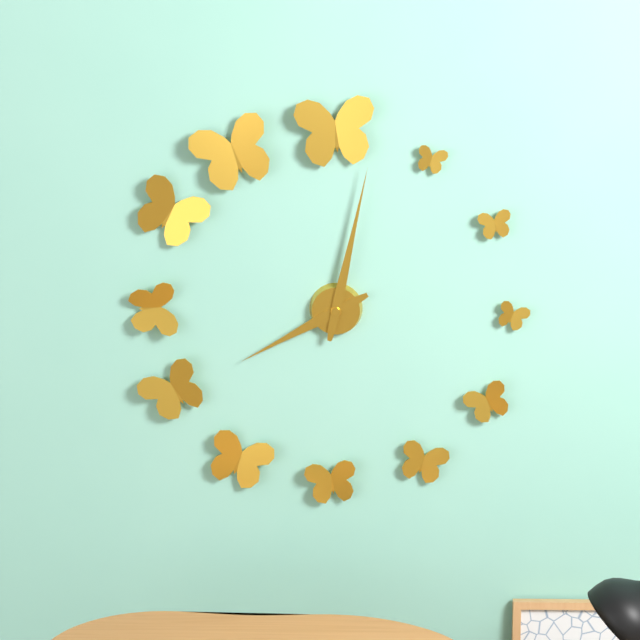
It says 8:02
